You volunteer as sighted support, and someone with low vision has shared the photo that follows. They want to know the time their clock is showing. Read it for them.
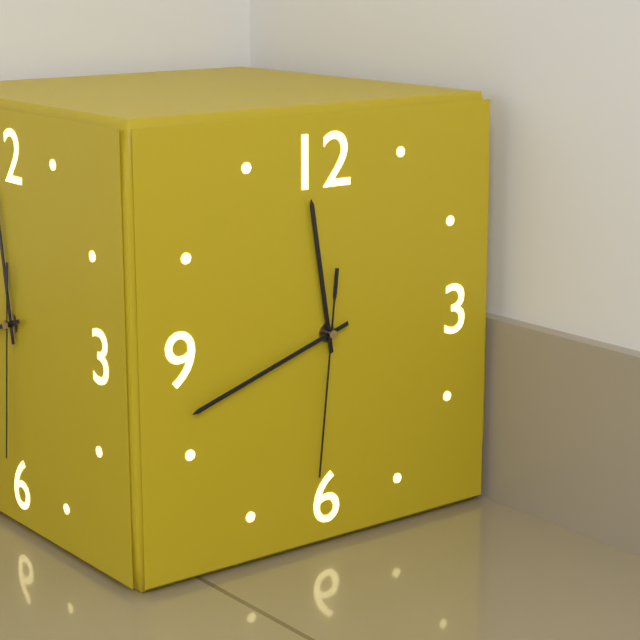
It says 11:42:31
